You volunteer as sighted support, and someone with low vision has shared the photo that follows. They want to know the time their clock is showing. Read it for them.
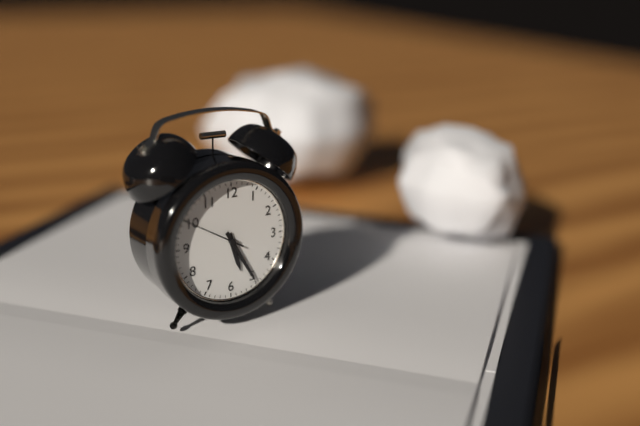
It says 5:25:50
